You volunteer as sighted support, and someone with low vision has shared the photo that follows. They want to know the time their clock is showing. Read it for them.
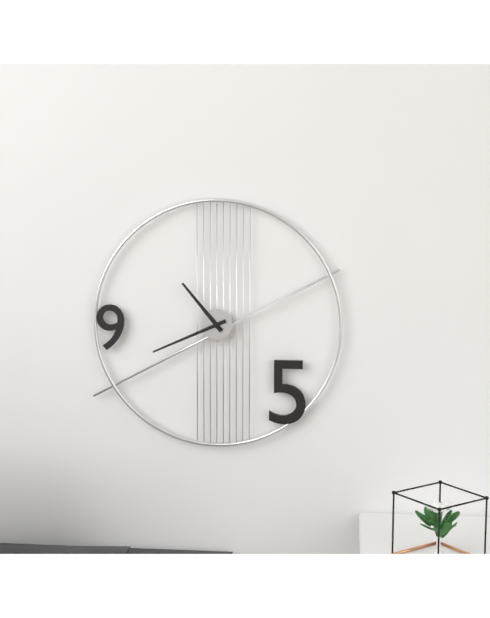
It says 10:41
